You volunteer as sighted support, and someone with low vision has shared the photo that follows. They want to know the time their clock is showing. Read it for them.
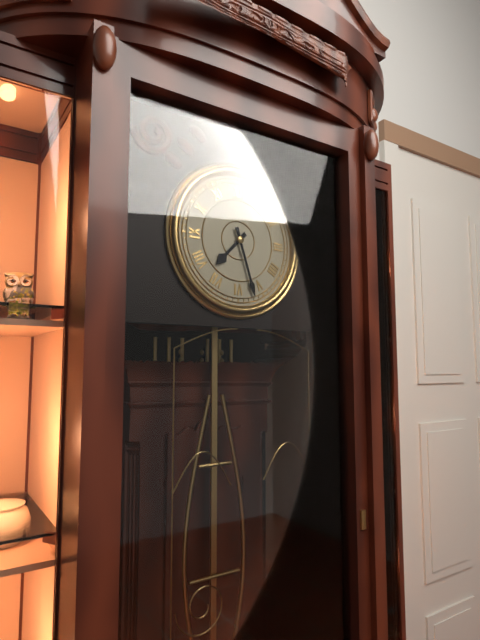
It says 7:27
